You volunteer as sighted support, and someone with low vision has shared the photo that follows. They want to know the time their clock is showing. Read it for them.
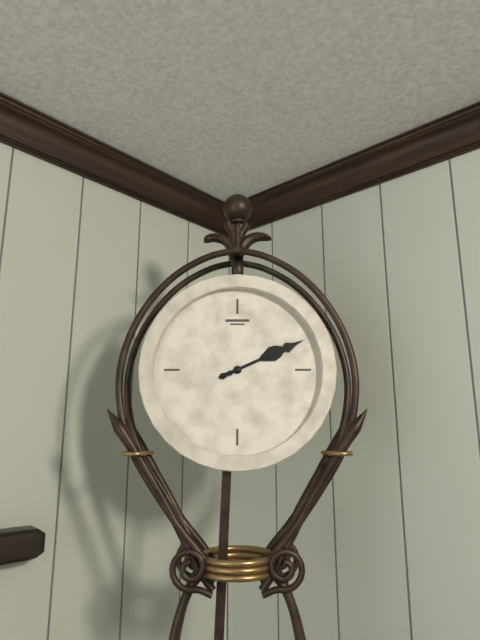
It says 2:11
